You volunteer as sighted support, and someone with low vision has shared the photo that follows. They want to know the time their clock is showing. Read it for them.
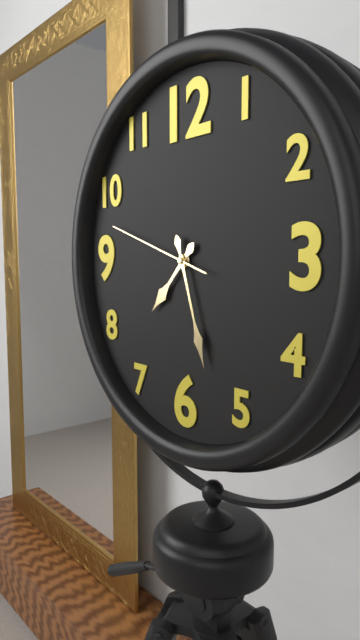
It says 7:27:48
